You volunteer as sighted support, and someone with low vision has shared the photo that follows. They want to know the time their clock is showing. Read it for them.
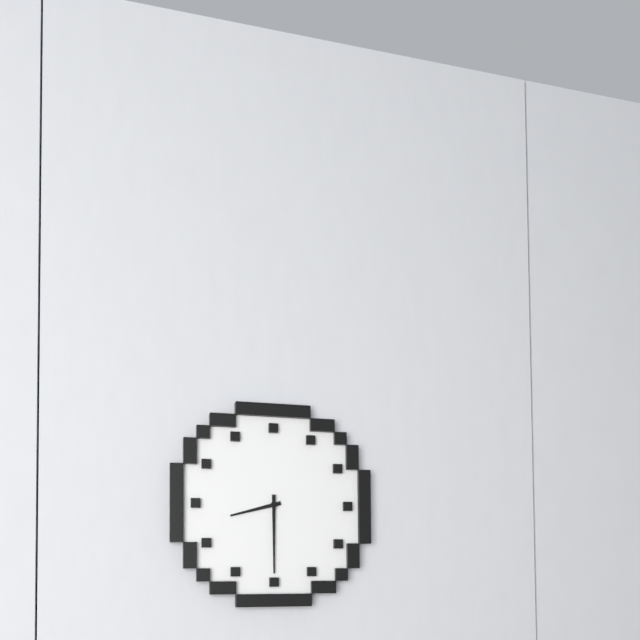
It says 8:30
